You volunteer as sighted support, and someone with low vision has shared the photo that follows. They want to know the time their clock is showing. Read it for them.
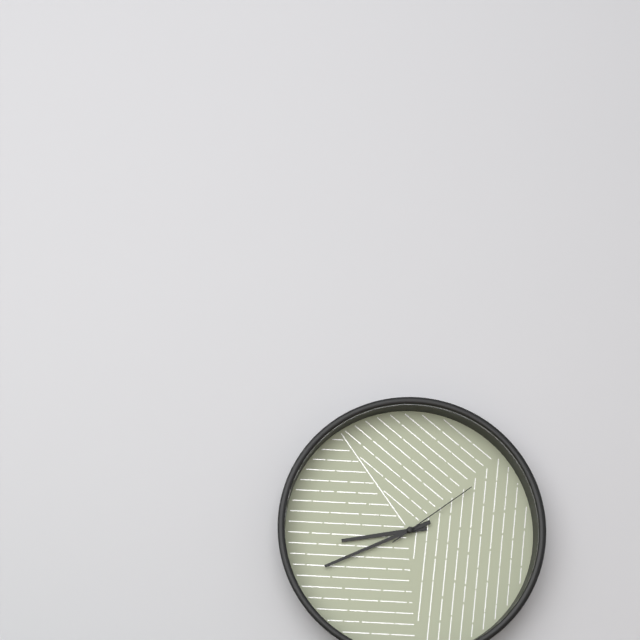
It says 8:41:09
